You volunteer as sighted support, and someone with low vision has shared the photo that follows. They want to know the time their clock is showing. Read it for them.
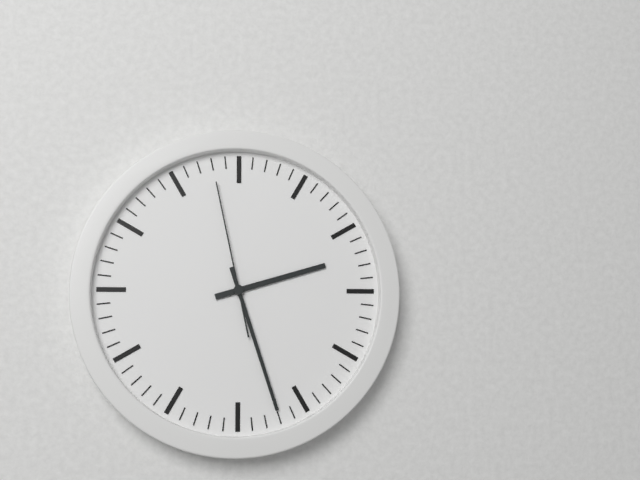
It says 2:27:58
